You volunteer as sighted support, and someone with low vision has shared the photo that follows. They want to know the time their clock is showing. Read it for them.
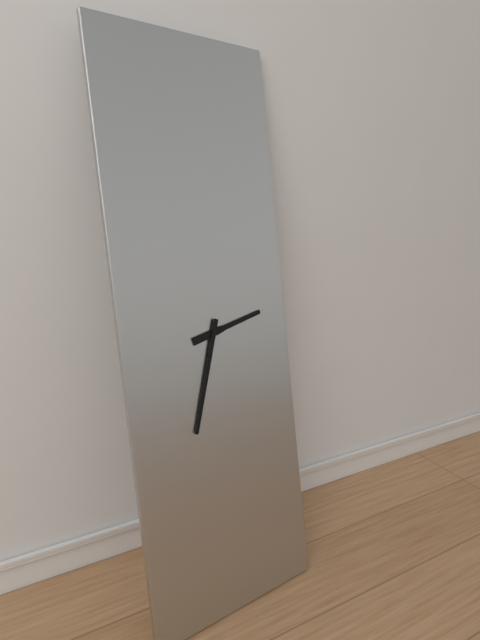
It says 2:33
